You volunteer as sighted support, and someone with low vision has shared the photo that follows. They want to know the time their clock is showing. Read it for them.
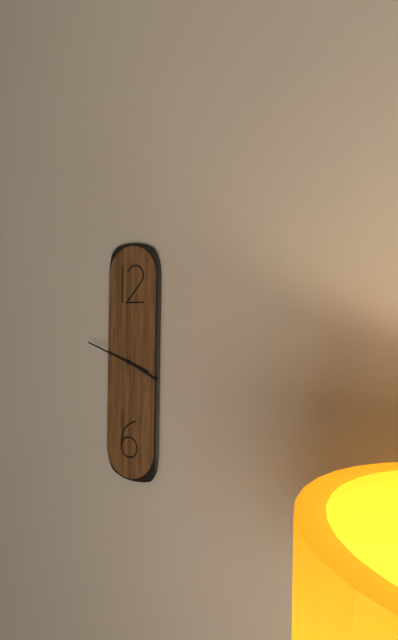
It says 3:48
